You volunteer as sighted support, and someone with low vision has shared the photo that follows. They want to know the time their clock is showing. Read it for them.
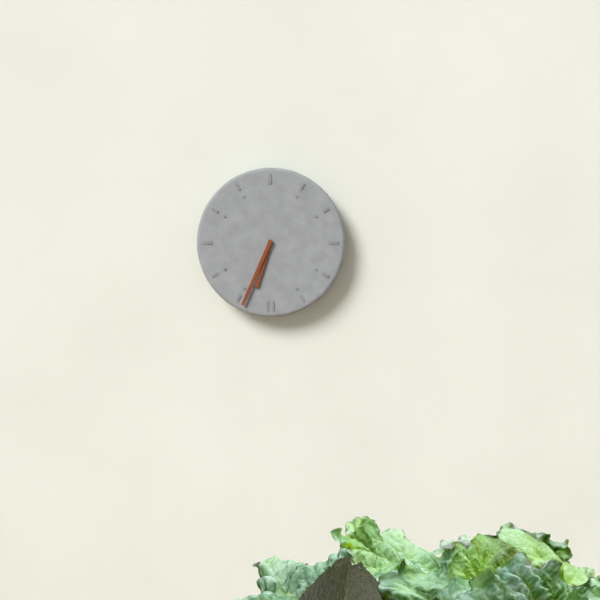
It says 6:34
